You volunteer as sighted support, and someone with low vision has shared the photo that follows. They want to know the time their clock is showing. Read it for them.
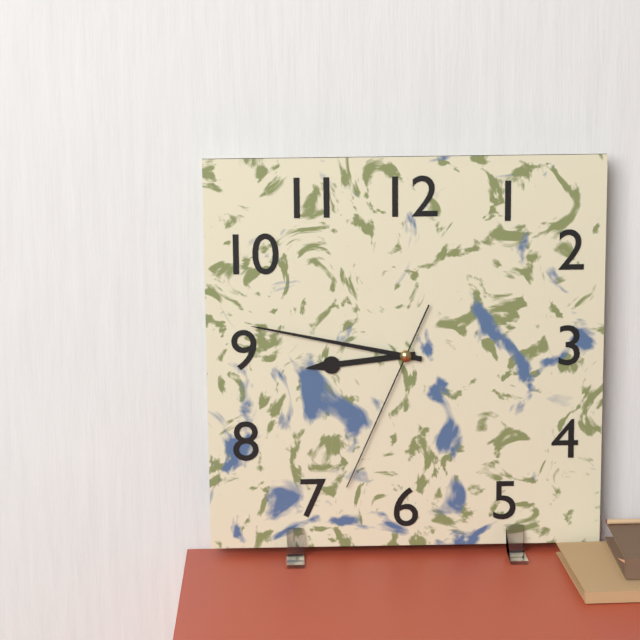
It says 8:47:34
